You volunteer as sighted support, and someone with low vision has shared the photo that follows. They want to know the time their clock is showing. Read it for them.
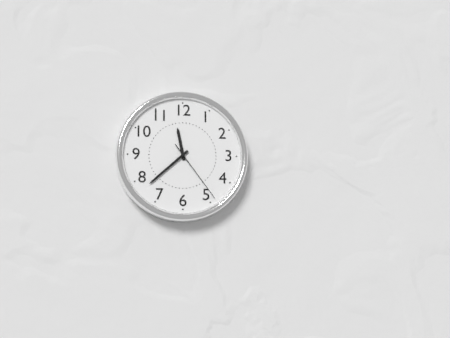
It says 11:38:24
